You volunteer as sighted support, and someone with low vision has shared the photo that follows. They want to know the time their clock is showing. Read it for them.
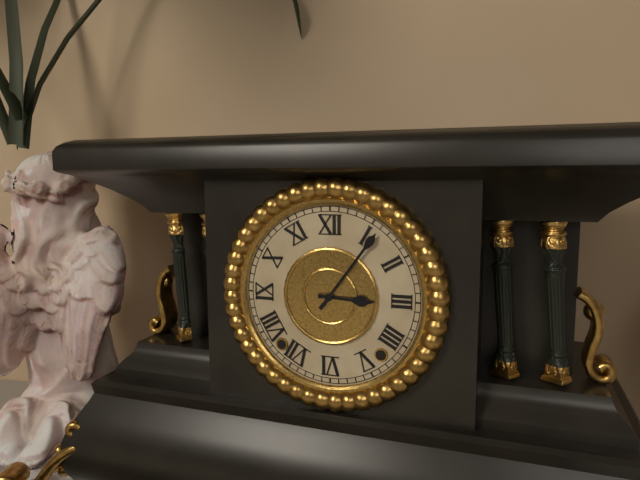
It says 3:06
